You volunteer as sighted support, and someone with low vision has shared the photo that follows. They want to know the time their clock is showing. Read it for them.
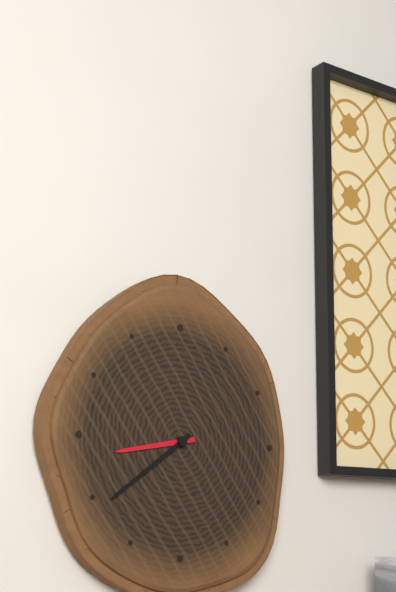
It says 8:39
